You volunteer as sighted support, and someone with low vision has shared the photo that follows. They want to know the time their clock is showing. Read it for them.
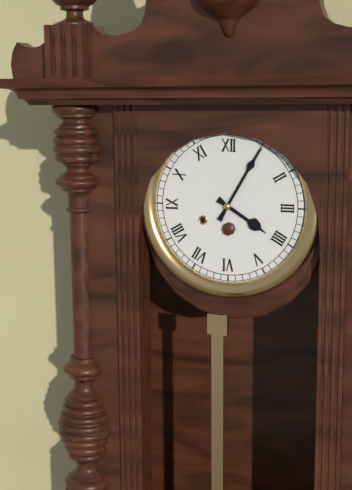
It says 4:05
